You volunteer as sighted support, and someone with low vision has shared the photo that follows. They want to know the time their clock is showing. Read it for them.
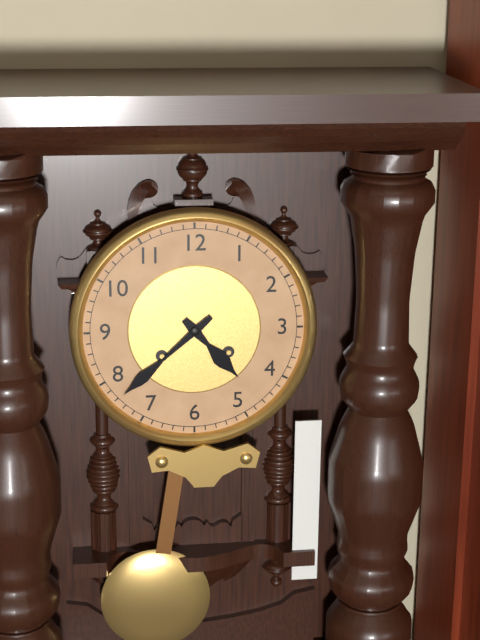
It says 4:38
